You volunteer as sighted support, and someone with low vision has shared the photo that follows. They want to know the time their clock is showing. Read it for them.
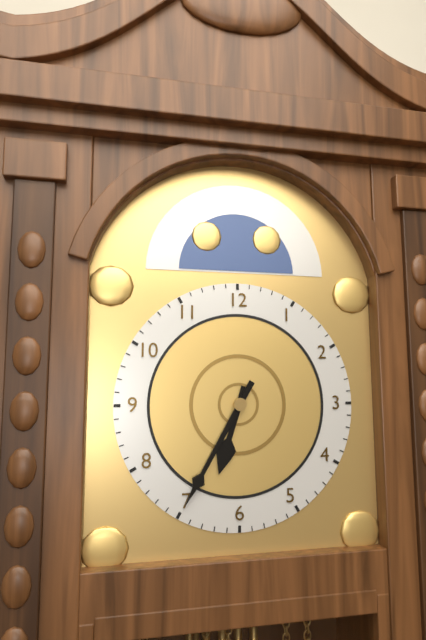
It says 6:35
